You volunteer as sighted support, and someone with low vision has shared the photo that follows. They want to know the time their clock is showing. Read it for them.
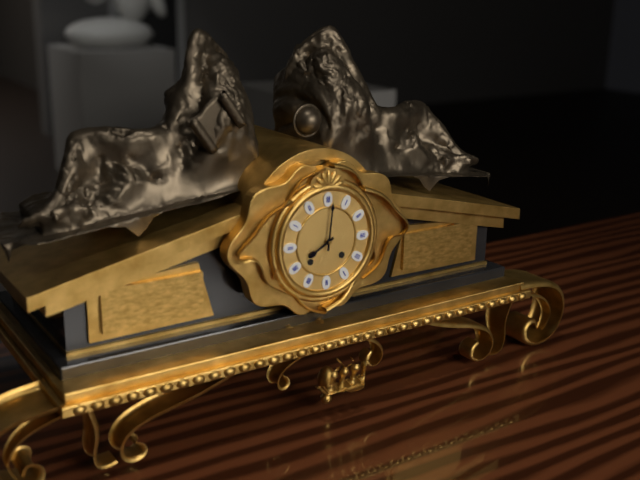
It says 8:01
